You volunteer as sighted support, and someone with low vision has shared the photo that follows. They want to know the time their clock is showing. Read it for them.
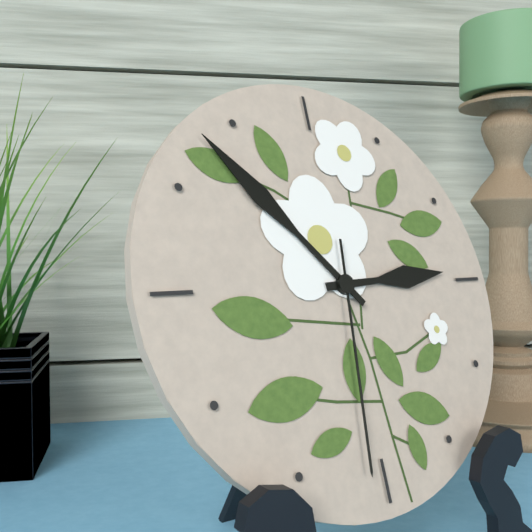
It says 2:53:31
